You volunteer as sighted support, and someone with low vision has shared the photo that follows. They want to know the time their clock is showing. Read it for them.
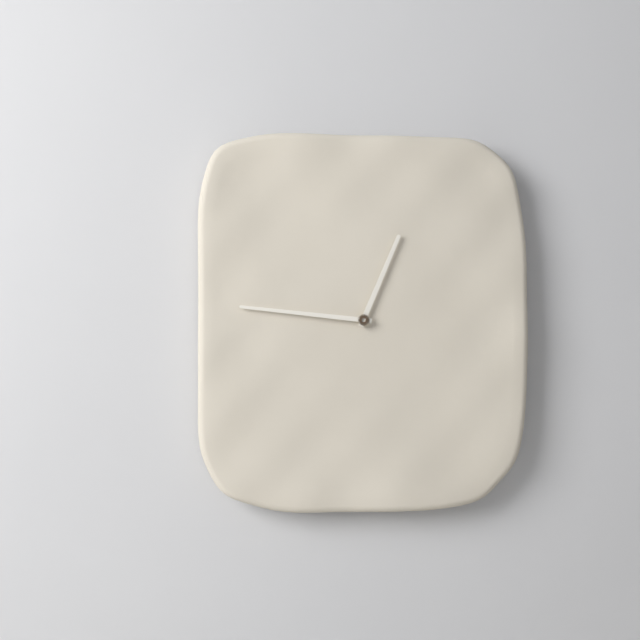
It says 12:46
